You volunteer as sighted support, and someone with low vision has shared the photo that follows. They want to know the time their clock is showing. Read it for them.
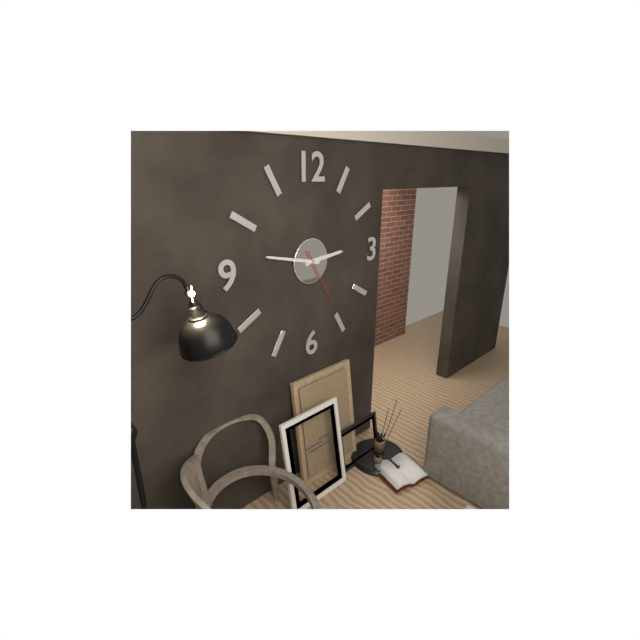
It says 2:47:25
